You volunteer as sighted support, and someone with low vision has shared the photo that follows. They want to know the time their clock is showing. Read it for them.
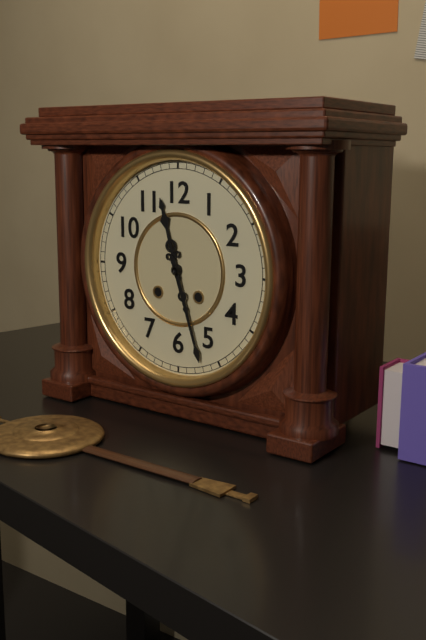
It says 11:27
